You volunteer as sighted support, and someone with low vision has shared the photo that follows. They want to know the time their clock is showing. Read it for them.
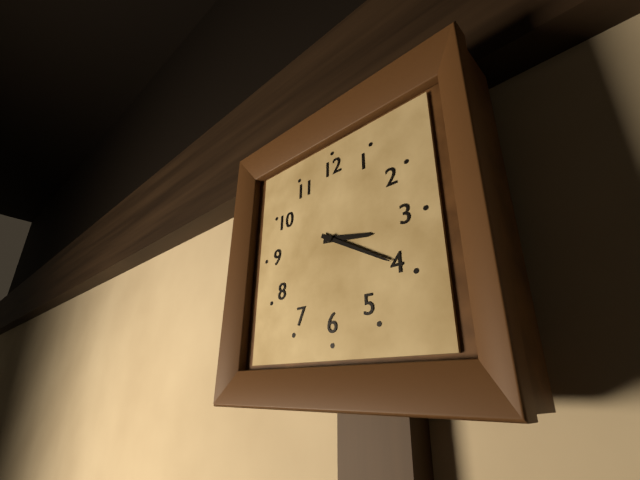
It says 3:20
